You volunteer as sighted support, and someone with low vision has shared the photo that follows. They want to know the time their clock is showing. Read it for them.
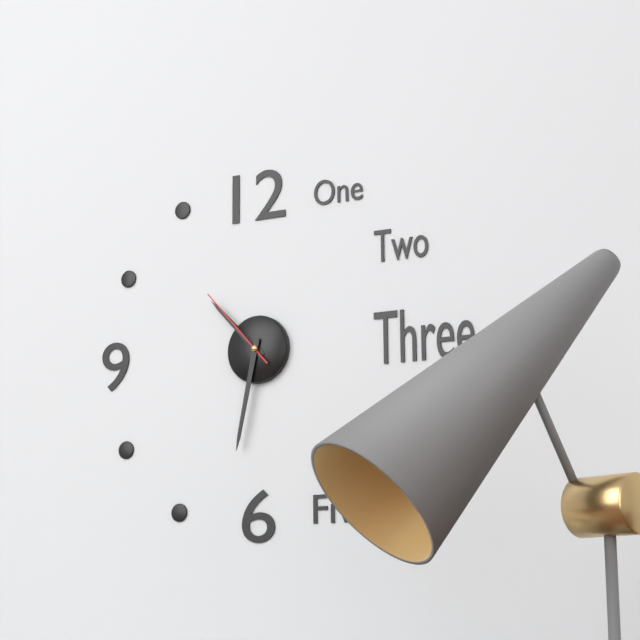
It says 10:32:53
